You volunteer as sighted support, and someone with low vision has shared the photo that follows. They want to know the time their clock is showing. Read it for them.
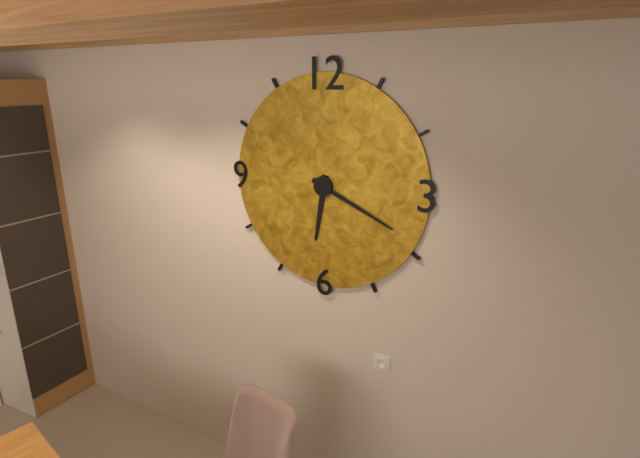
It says 6:19
